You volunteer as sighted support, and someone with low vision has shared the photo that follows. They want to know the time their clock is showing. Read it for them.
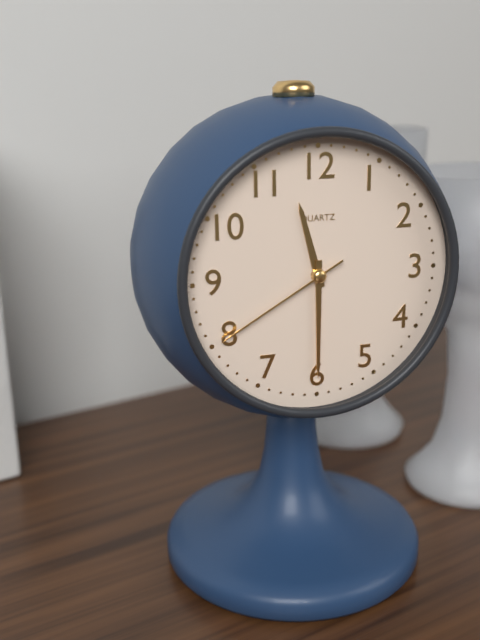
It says 11:30:40
